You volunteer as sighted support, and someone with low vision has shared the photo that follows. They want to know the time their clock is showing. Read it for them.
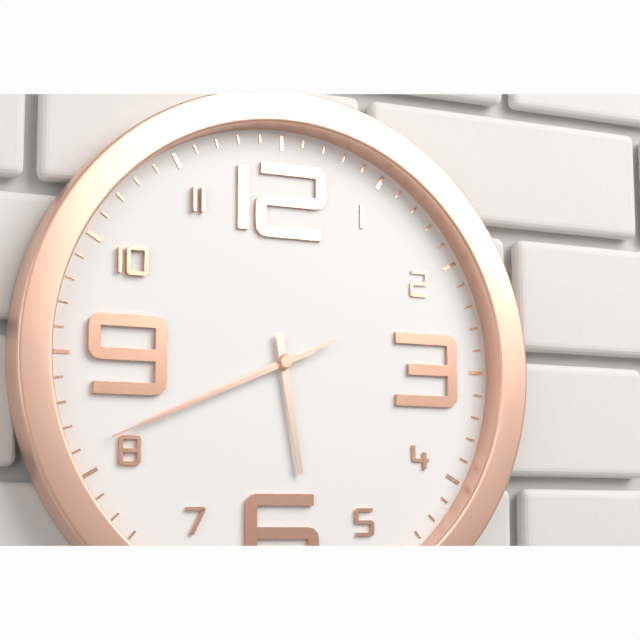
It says 5:41:41
